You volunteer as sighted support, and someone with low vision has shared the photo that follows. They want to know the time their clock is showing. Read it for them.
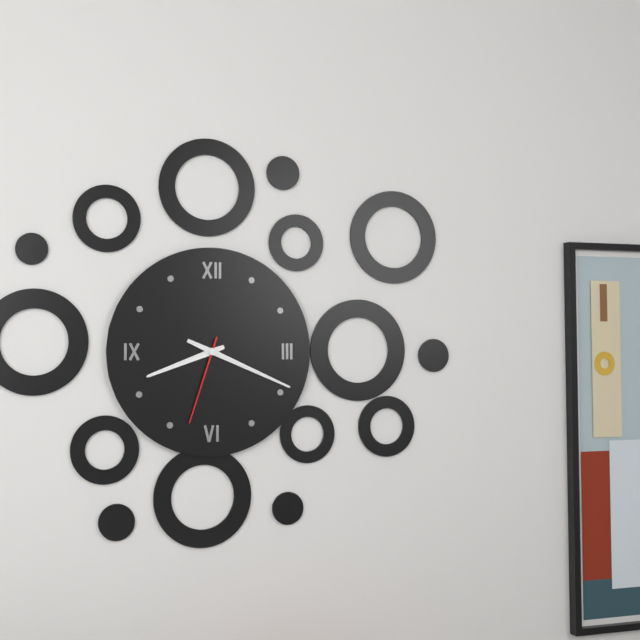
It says 8:19:33
